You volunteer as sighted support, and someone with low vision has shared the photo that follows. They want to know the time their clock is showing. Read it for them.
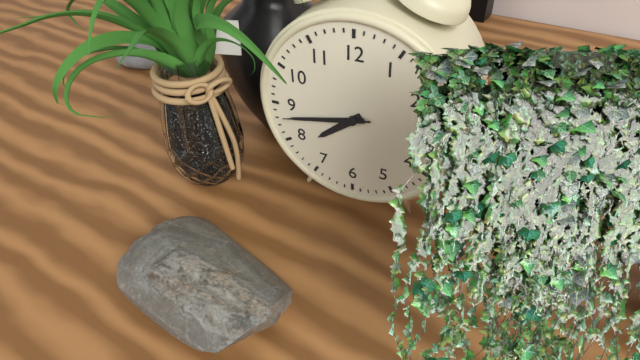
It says 7:43:43
